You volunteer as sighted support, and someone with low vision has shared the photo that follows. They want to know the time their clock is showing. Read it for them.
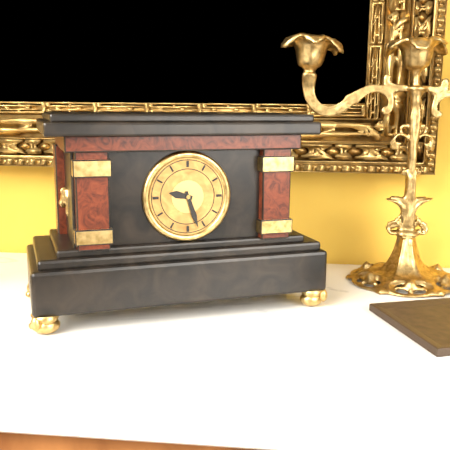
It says 9:27
